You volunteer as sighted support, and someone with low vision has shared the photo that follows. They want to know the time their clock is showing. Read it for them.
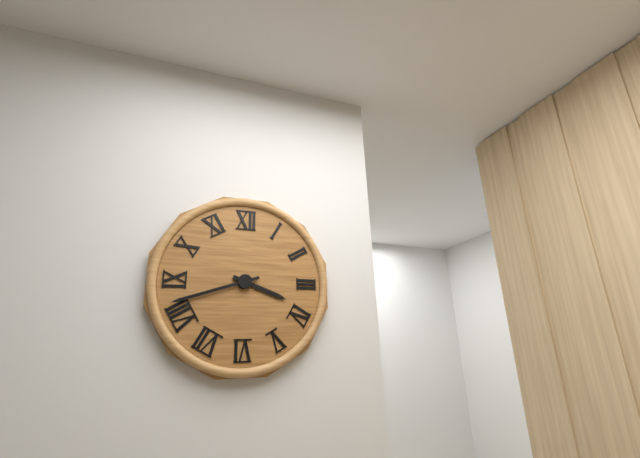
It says 3:42
